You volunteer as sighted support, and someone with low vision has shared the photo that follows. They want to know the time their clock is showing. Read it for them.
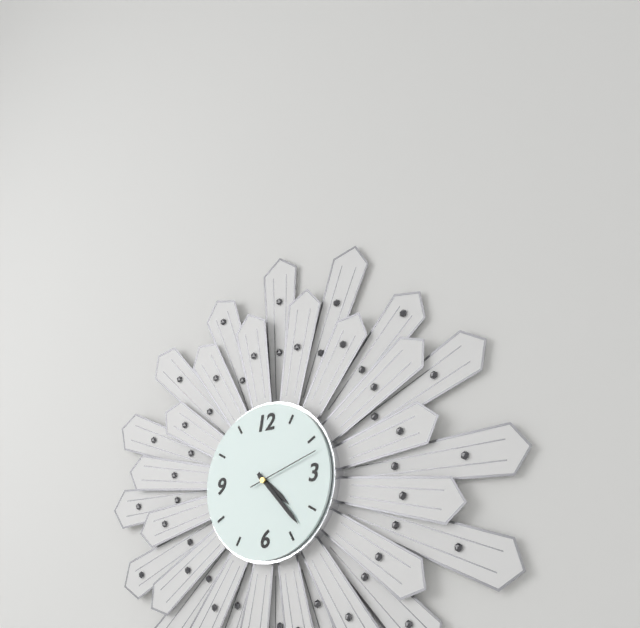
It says 4:23:12
